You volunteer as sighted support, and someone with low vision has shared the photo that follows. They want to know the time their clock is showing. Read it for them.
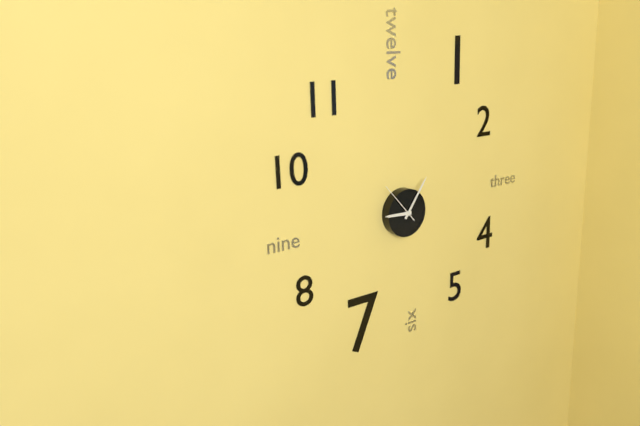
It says 9:06
